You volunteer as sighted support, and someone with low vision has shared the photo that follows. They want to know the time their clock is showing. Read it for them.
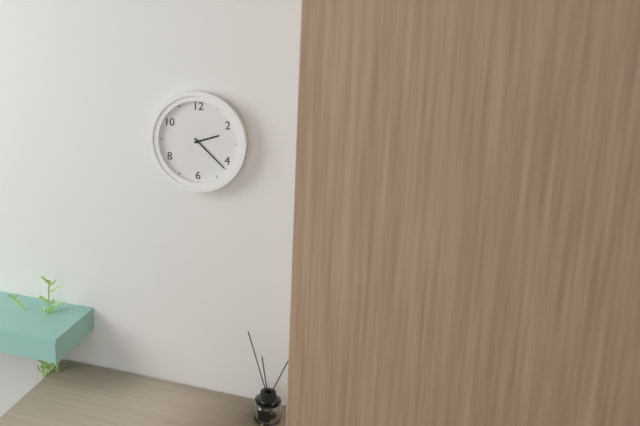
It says 2:22
